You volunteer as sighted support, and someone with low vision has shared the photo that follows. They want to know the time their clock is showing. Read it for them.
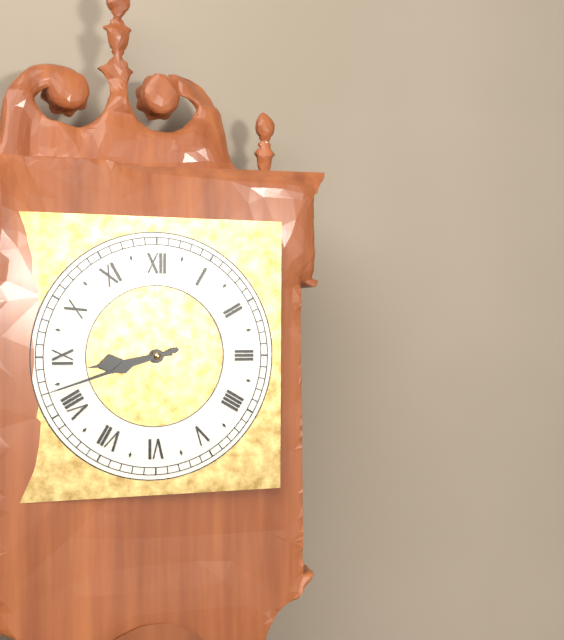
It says 8:42
